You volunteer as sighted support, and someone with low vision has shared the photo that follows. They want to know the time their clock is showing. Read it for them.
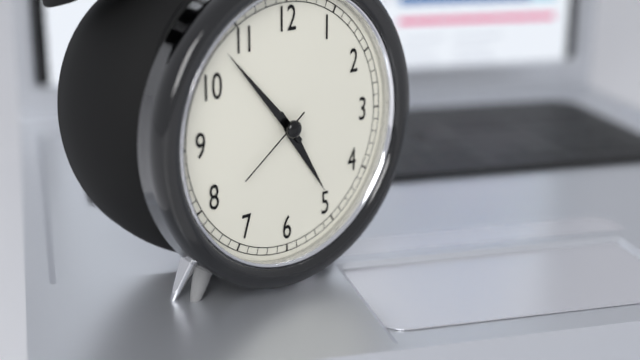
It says 4:53:39
